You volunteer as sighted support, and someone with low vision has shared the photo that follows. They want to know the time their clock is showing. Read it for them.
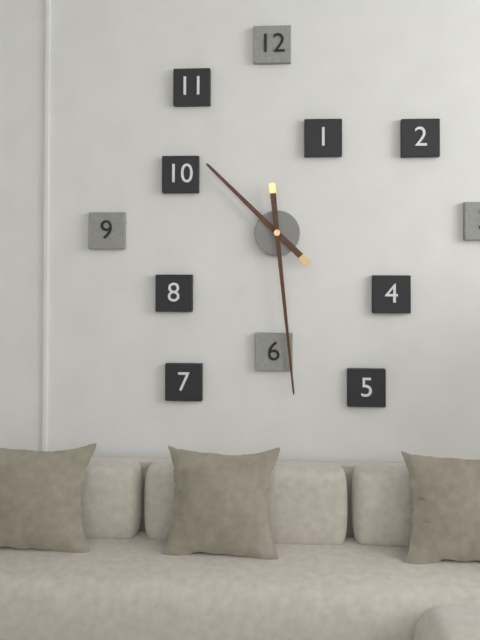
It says 10:29
